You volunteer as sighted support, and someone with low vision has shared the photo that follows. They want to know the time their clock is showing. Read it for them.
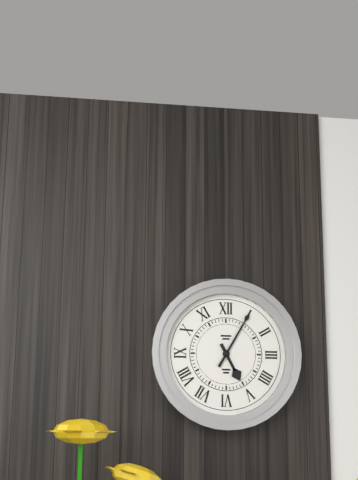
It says 5:05
